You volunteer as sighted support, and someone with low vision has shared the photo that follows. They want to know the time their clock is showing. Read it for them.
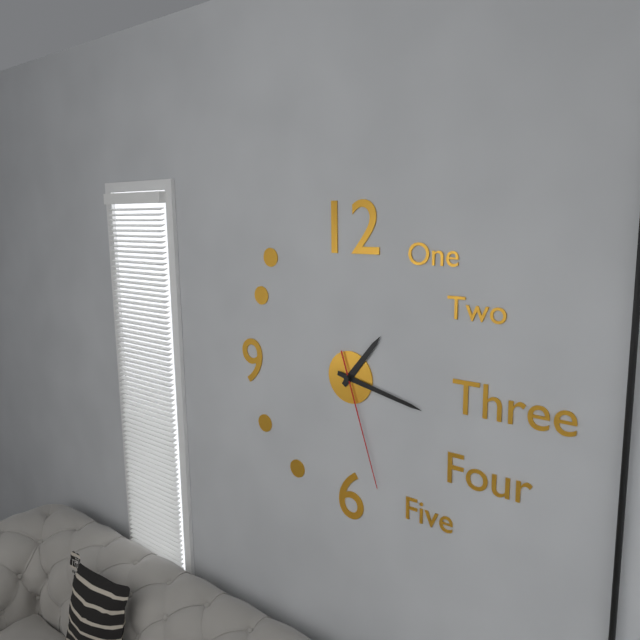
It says 1:17:27
